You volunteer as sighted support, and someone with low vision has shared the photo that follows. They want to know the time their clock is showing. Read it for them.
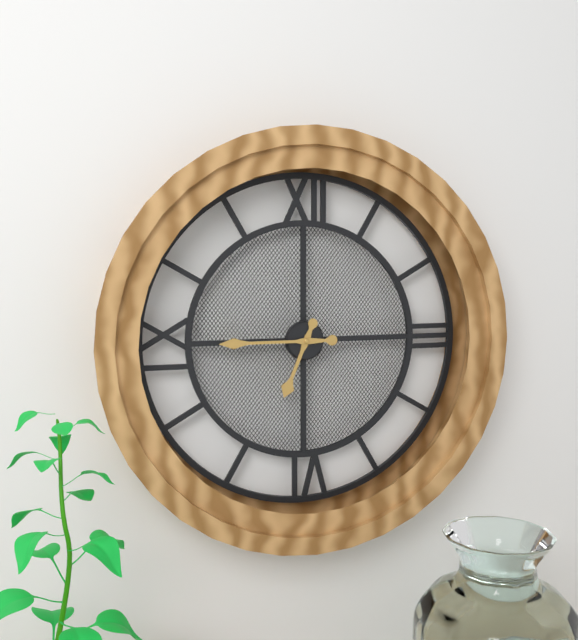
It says 6:45
